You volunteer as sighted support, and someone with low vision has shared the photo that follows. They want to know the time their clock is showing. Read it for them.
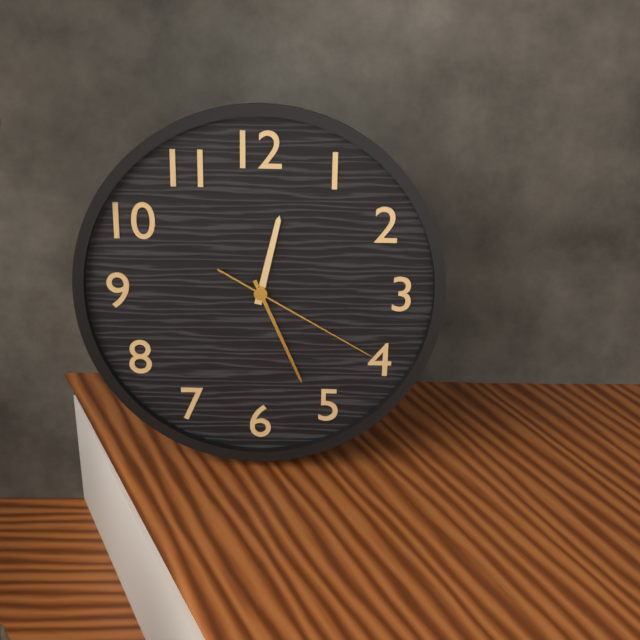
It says 12:26:20
